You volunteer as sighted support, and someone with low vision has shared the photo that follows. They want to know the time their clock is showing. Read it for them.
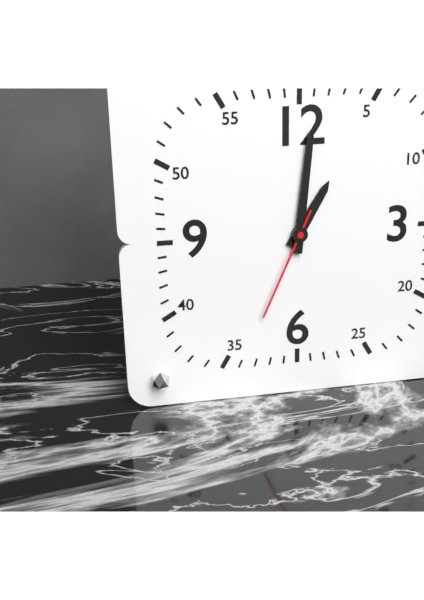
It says 1:01:34
